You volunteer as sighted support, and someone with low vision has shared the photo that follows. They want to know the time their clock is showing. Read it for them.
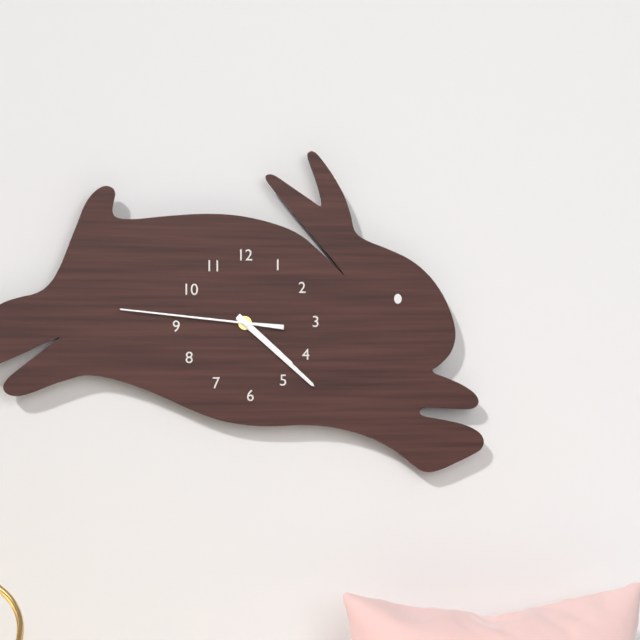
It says 4:22:46
